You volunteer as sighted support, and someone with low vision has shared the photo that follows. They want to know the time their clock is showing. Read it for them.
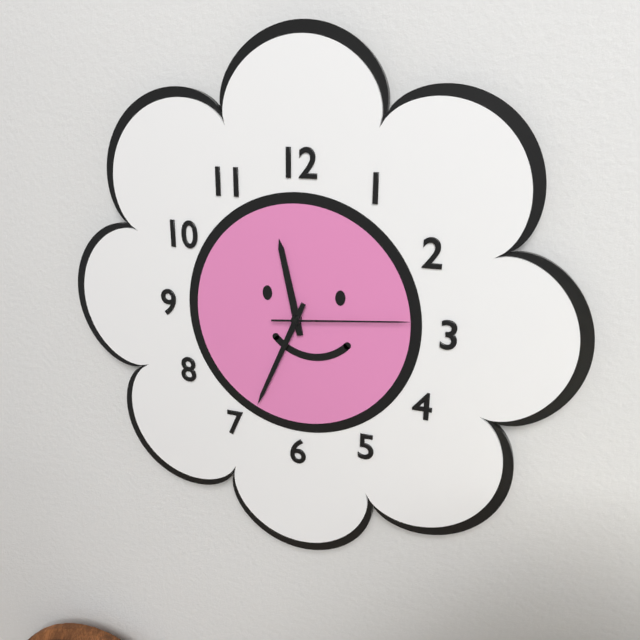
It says 11:34:14
